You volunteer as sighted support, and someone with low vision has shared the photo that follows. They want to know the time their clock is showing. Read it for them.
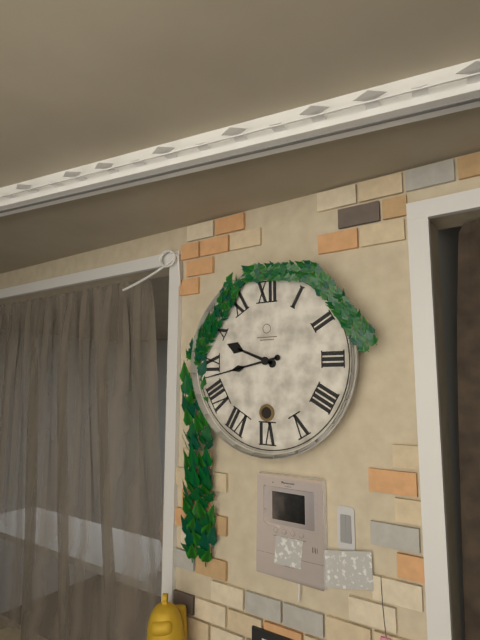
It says 9:43
